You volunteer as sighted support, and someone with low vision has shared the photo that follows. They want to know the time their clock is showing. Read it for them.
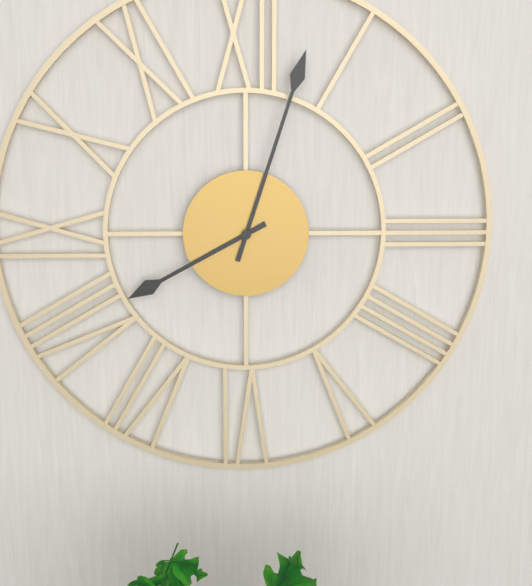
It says 8:03
